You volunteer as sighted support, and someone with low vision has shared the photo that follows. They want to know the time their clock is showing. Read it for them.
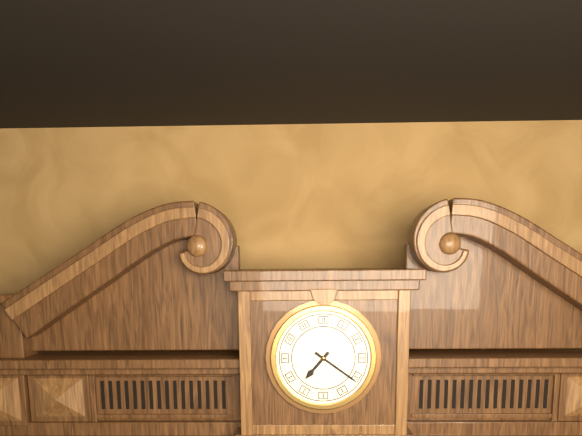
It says 7:21
